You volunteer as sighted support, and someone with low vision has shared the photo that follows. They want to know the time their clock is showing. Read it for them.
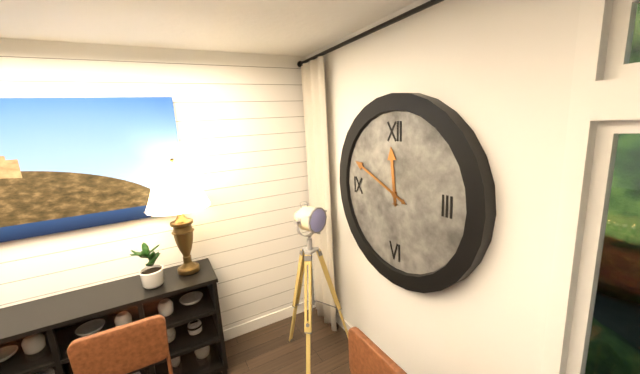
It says 11:49
